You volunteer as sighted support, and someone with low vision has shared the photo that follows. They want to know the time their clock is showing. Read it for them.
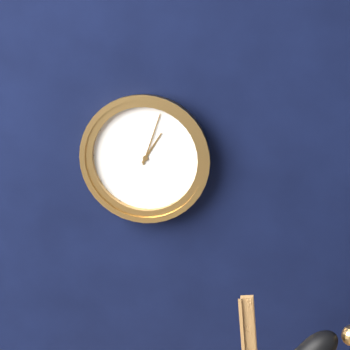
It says 1:03
